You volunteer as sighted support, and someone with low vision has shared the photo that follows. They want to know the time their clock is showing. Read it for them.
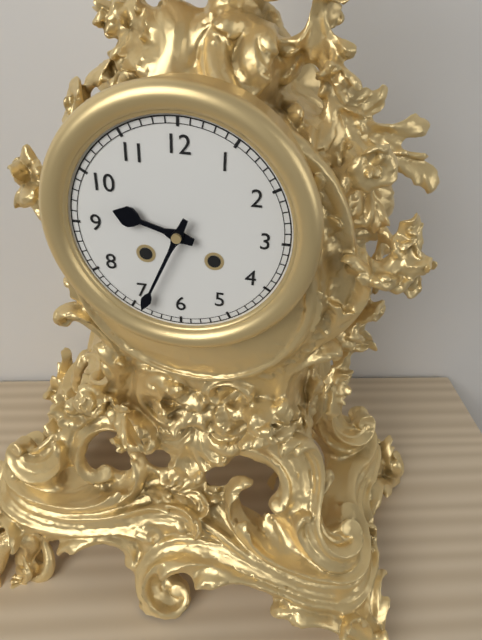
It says 9:34
